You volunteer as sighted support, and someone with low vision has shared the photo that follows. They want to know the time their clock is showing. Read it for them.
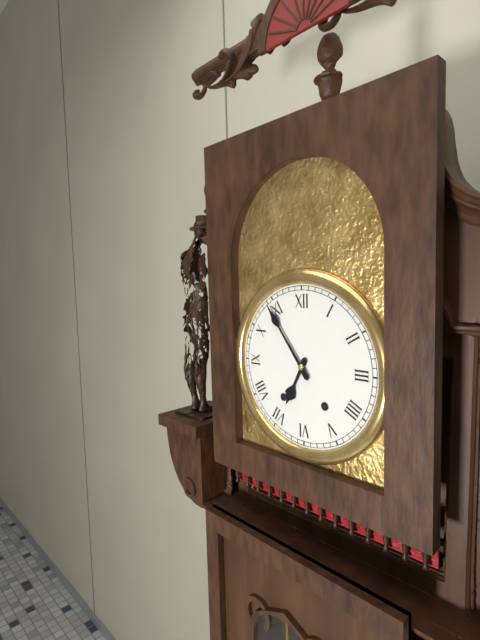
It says 6:54
